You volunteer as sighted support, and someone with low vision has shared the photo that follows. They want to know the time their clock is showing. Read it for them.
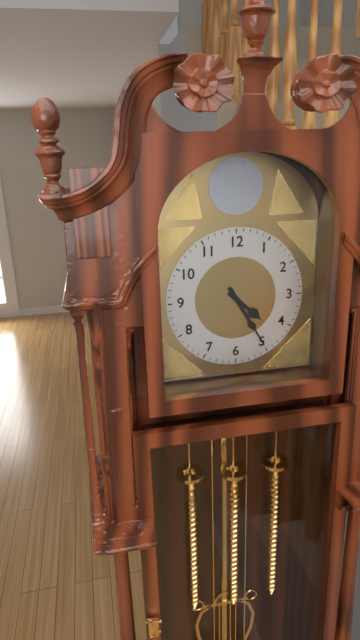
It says 4:25
